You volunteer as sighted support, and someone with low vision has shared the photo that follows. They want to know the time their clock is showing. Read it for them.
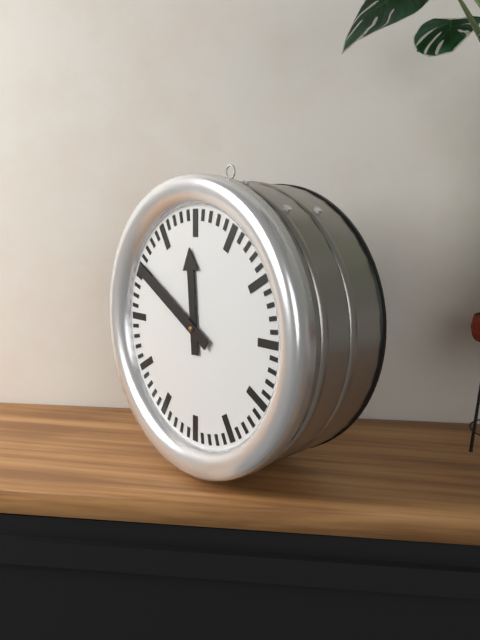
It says 11:50
